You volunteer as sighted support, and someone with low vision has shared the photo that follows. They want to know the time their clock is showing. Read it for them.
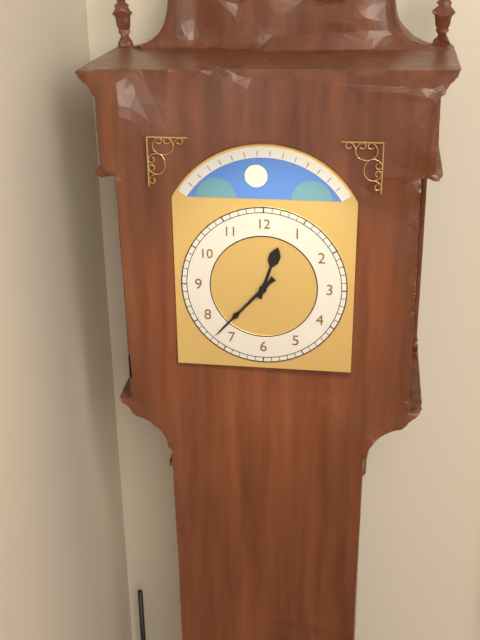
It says 12:37
